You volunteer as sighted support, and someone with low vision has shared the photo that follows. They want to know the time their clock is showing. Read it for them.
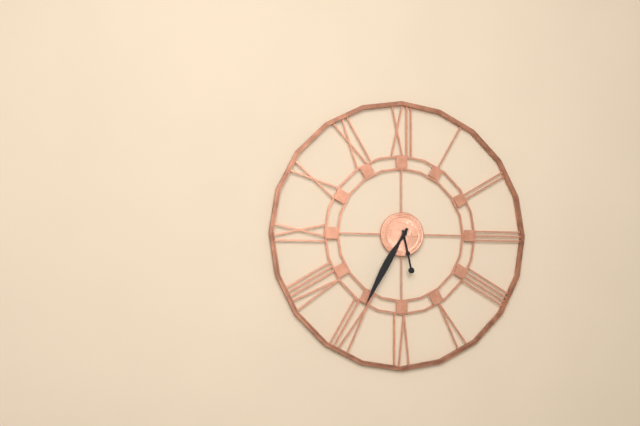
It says 5:35
